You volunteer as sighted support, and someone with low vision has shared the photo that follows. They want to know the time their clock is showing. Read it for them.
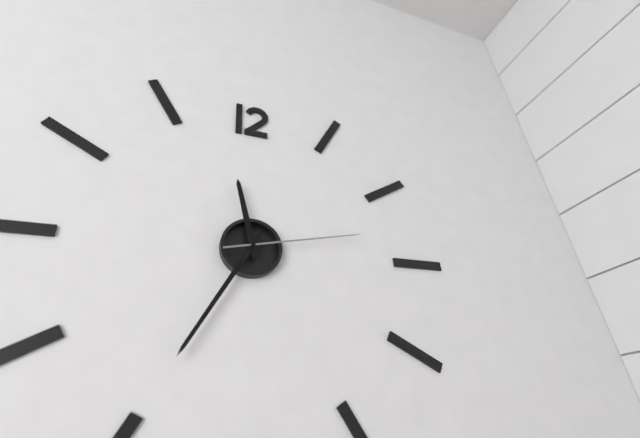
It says 11:35:13
